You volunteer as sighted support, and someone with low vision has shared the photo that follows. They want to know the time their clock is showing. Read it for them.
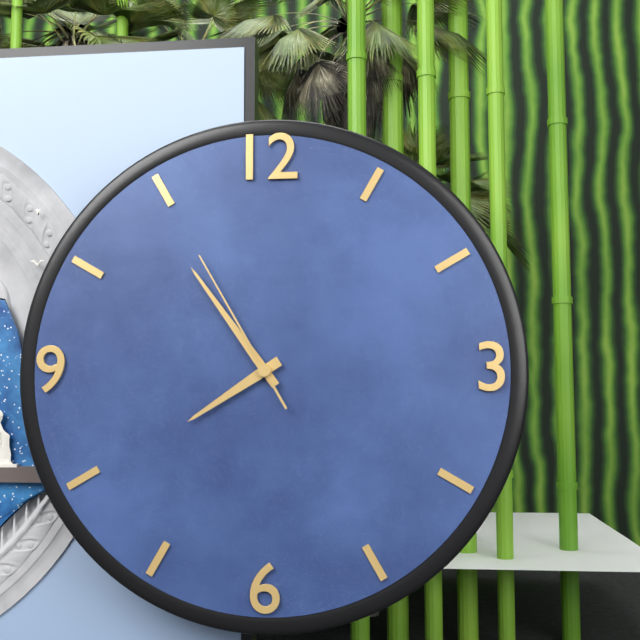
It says 7:54:55
